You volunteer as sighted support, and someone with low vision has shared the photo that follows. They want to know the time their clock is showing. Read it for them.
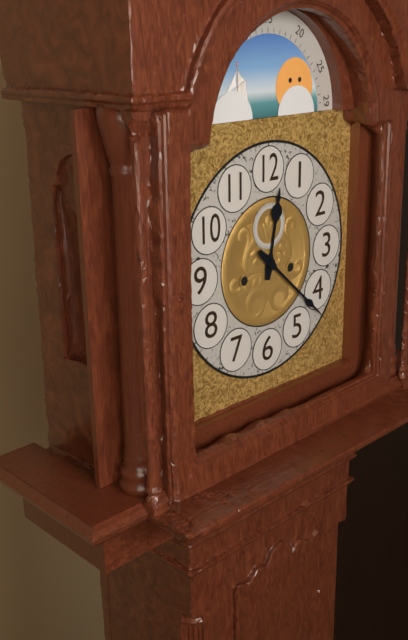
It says 12:22
